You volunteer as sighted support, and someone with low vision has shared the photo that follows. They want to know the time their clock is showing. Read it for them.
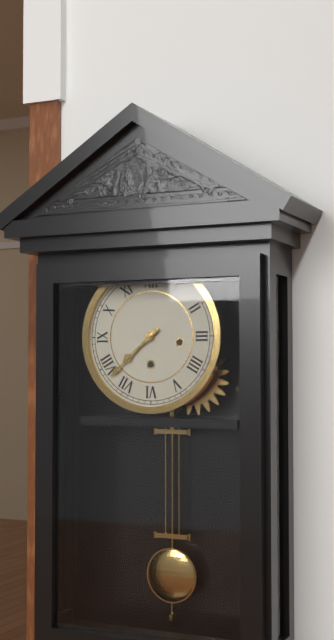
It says 7:38
